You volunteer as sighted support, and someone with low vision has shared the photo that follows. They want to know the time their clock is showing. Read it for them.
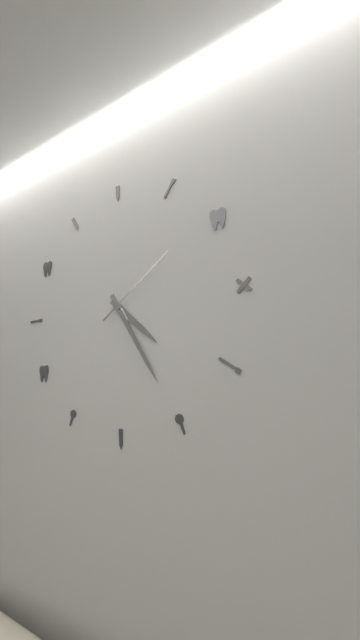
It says 4:25:09
